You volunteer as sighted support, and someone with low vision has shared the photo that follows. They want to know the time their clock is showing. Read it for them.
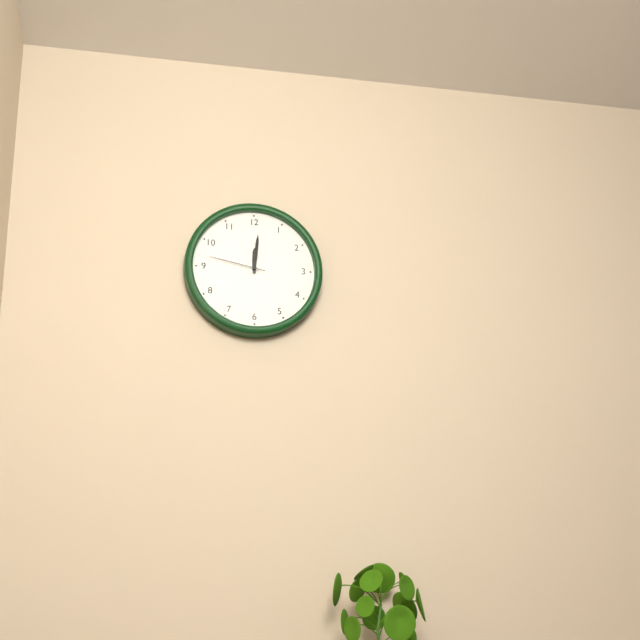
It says 12:01:47
